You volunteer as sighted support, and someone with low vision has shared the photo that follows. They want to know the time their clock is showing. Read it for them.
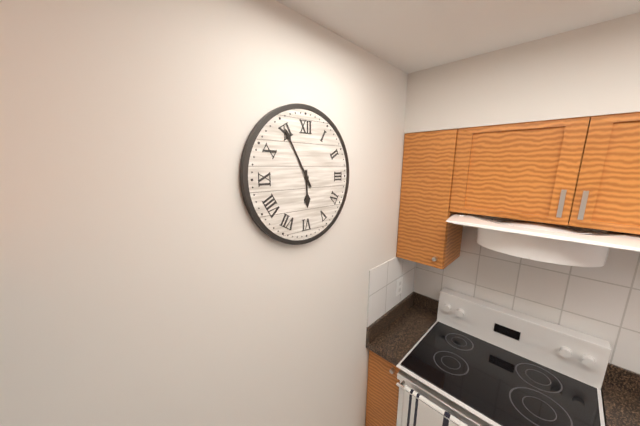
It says 5:55
